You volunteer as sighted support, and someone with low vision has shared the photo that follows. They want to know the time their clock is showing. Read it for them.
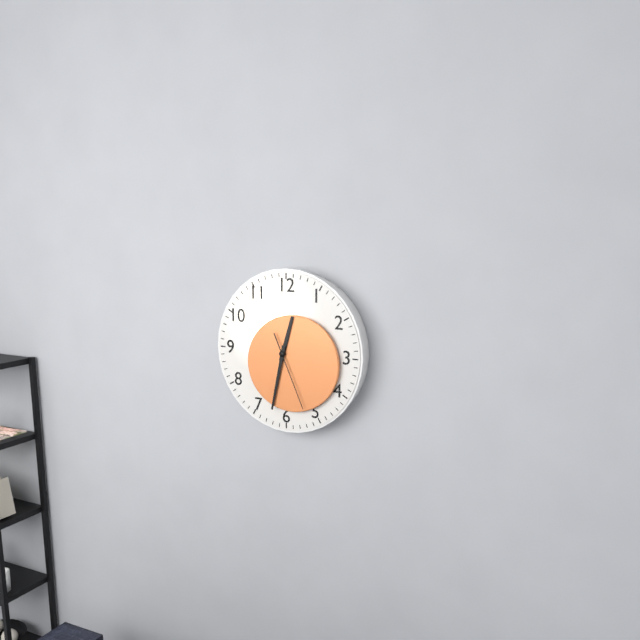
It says 12:32:26
